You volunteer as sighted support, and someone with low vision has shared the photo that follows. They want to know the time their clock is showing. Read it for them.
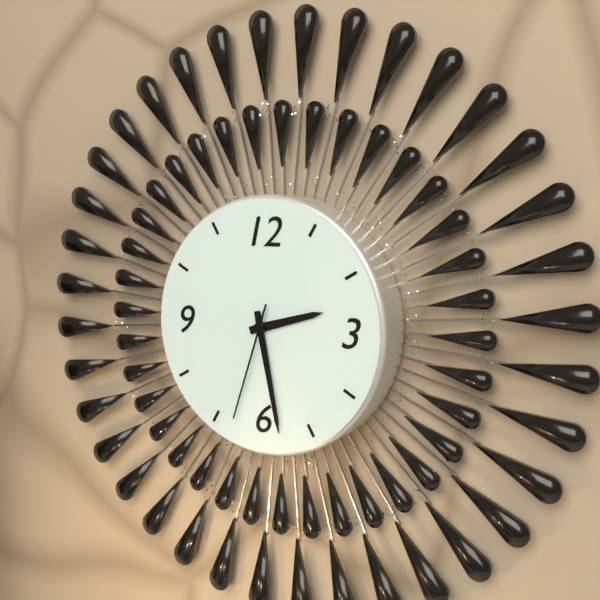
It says 2:28:33
